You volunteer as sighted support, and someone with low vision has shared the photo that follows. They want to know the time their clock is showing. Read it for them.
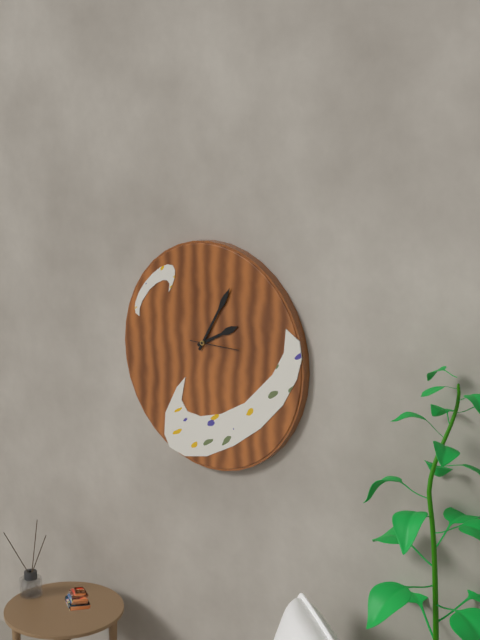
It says 2:05
